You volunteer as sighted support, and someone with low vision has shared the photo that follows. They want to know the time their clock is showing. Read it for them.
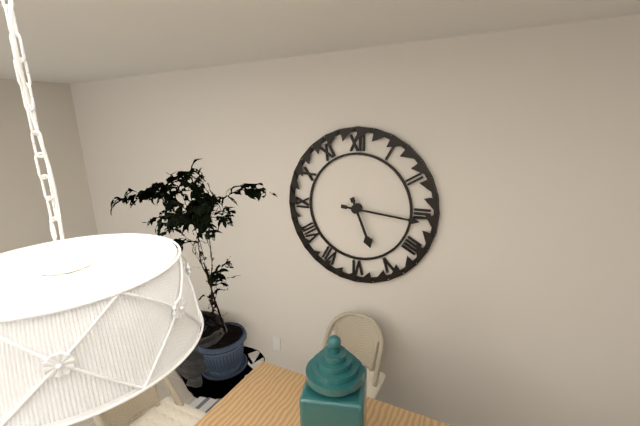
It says 5:16
